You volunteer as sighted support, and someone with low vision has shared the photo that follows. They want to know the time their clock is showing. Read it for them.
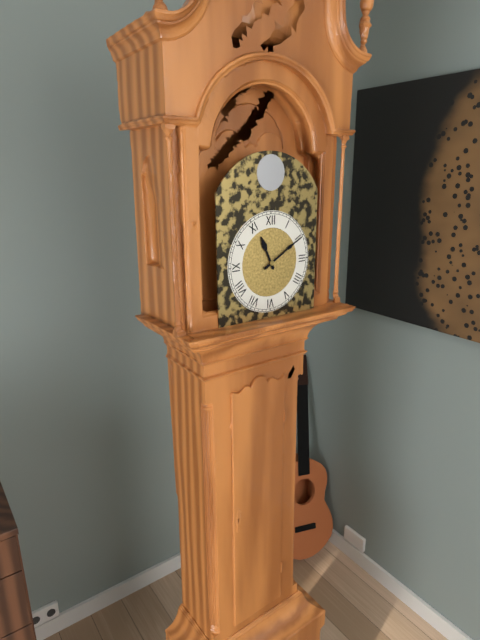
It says 11:10
